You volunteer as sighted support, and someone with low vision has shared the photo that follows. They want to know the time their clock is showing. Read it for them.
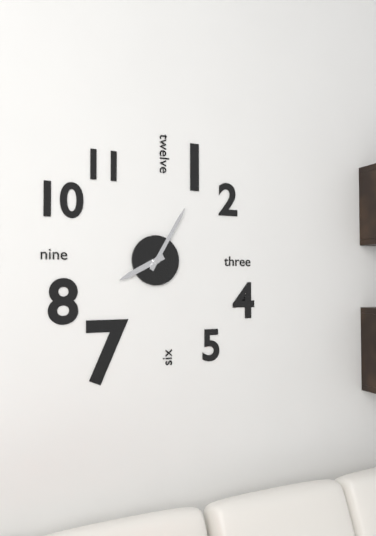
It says 8:05
